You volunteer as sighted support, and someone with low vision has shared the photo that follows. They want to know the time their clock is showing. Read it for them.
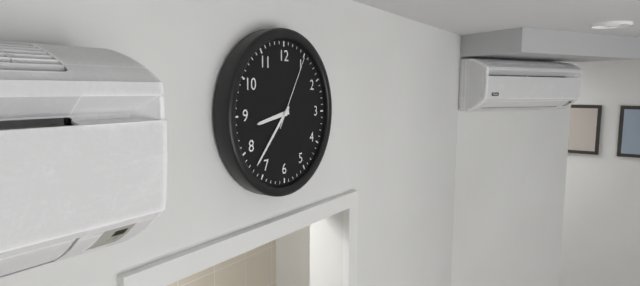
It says 8:37:05
